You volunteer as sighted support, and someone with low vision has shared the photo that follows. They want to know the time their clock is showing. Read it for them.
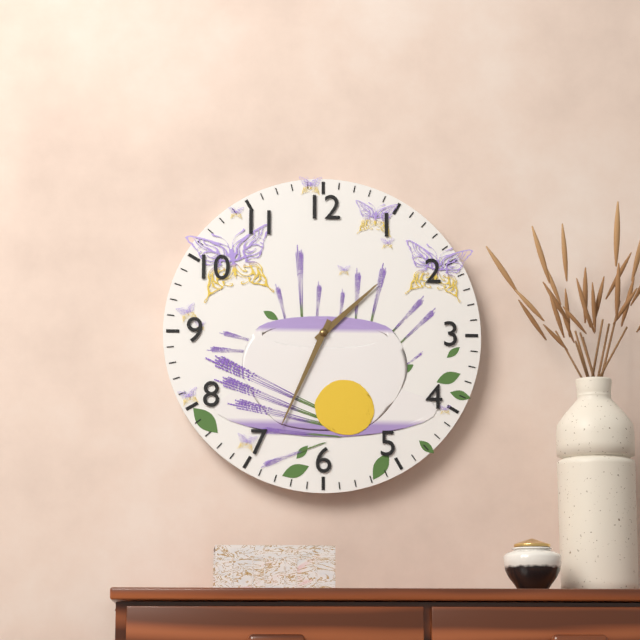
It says 1:34
